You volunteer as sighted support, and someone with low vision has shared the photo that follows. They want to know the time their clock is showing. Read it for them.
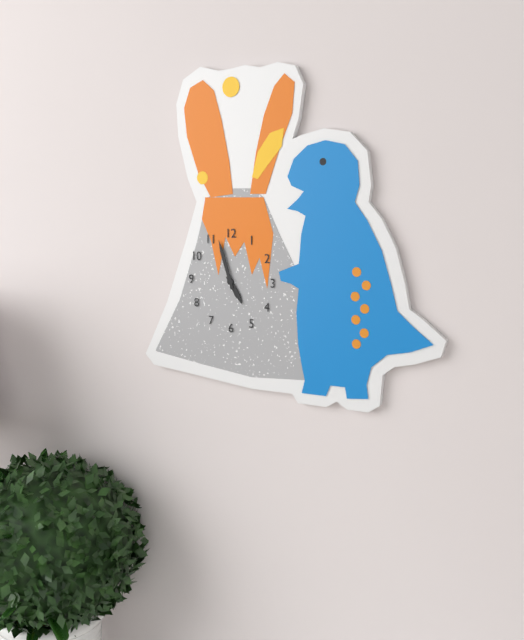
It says 4:57
